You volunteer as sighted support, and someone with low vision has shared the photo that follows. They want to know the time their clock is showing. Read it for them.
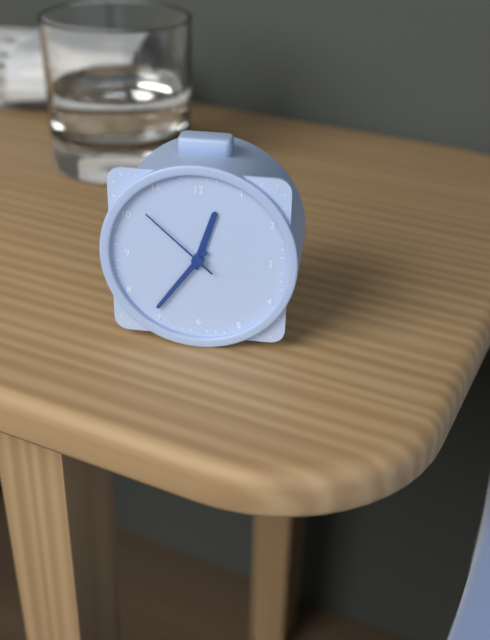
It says 12:36:52
